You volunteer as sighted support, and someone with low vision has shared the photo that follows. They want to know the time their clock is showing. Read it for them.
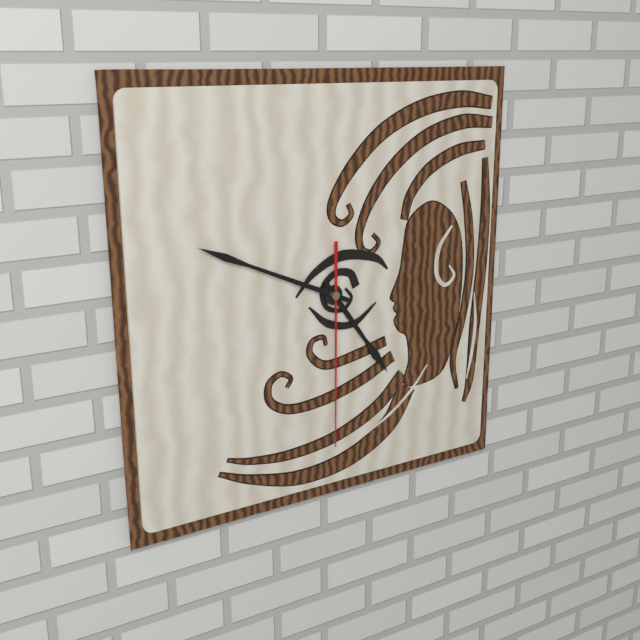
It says 4:49:30
